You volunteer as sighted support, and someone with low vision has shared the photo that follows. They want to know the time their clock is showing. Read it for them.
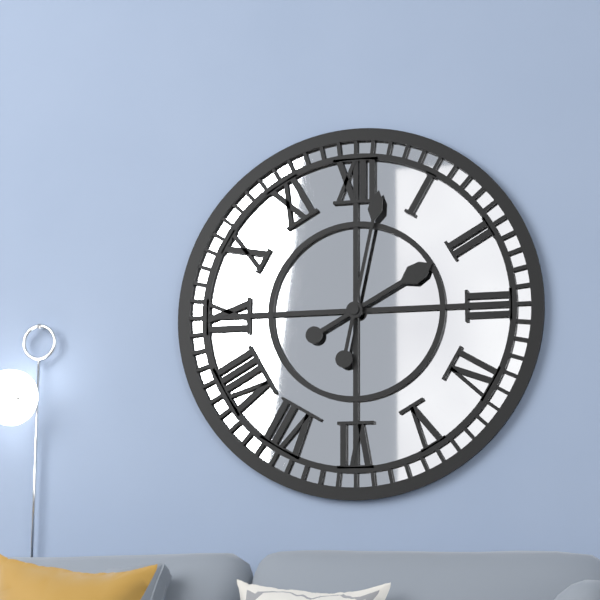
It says 2:02
